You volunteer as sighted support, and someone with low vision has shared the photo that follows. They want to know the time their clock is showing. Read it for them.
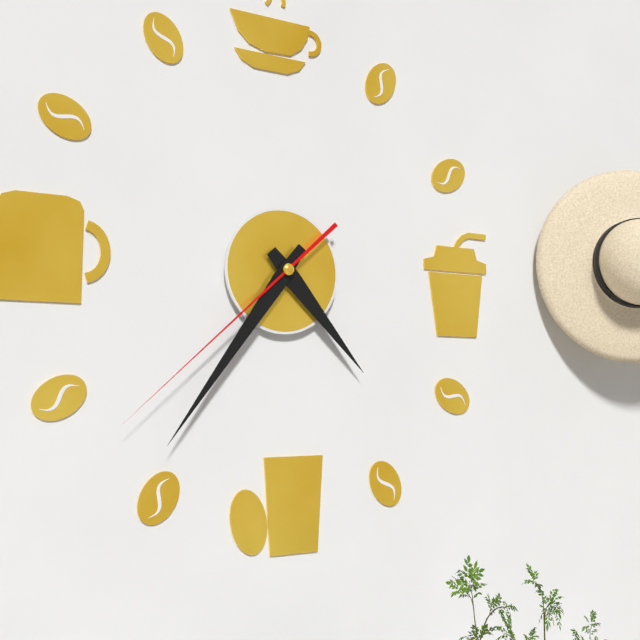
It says 4:36:38
